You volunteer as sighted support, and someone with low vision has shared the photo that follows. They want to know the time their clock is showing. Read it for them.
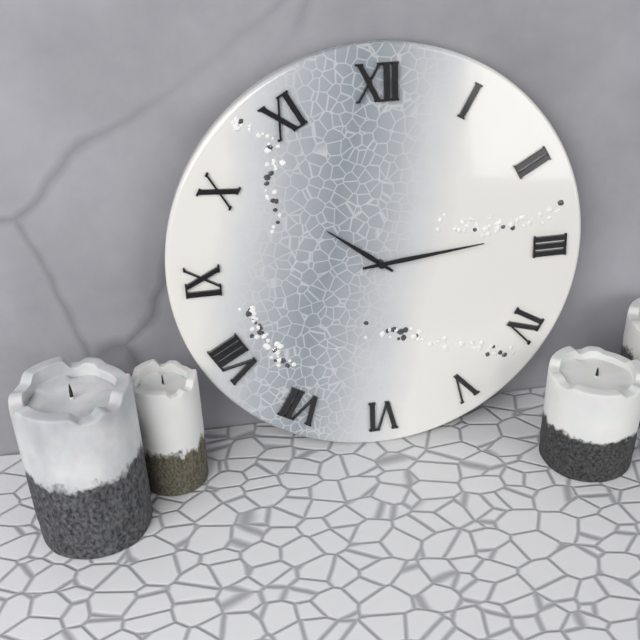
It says 10:14
